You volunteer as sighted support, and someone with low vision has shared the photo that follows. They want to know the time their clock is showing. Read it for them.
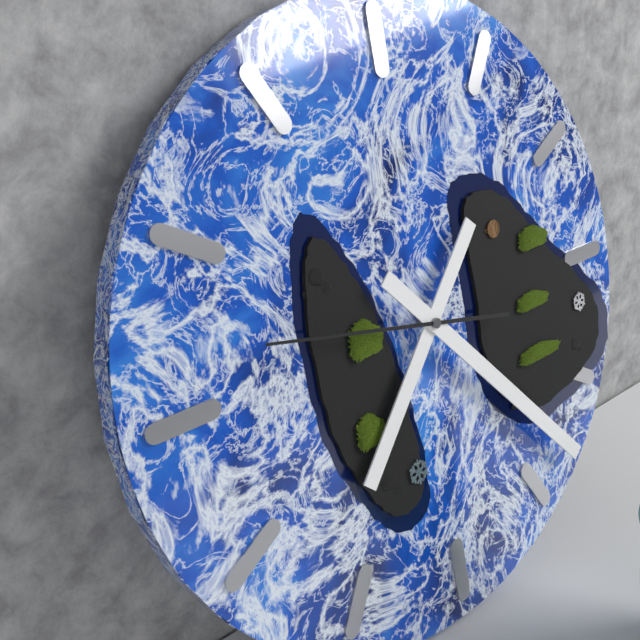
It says 7:23:47
